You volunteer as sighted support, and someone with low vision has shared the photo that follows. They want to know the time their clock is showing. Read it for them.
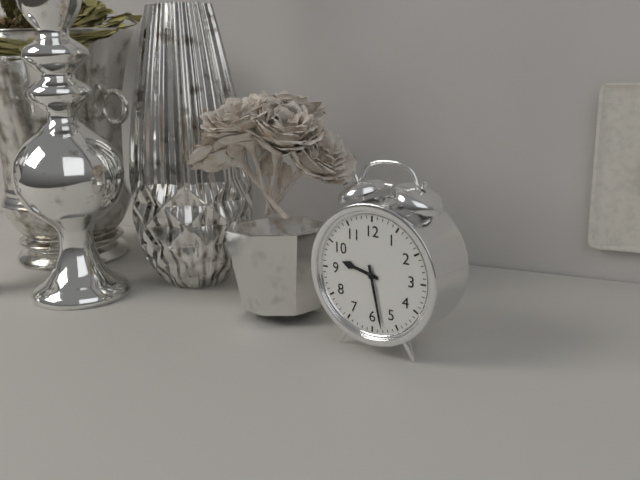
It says 9:28
